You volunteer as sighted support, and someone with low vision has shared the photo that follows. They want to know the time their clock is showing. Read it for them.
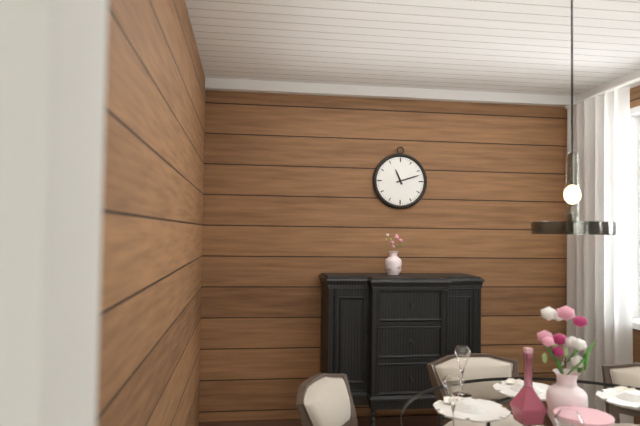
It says 11:12
